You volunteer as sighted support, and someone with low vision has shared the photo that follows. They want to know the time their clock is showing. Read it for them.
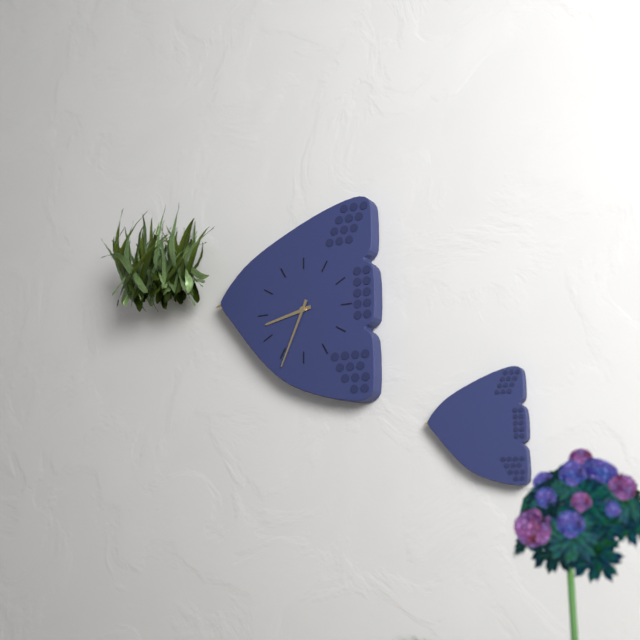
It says 8:34
